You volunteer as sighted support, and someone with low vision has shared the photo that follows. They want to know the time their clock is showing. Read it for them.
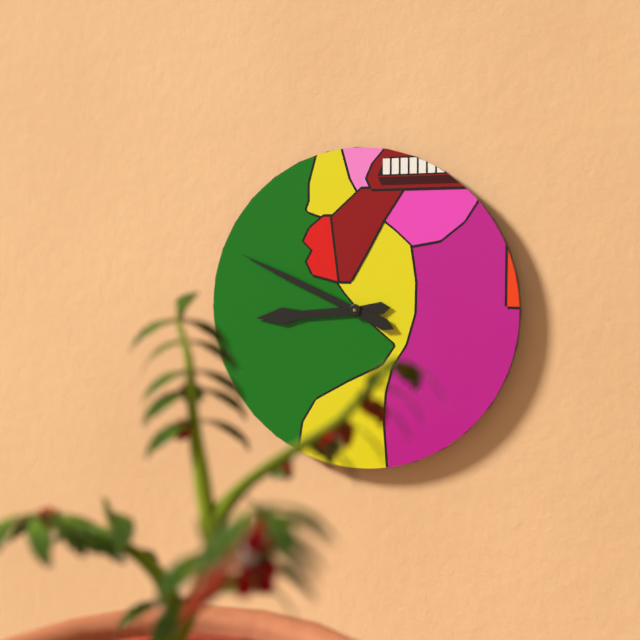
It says 8:49
